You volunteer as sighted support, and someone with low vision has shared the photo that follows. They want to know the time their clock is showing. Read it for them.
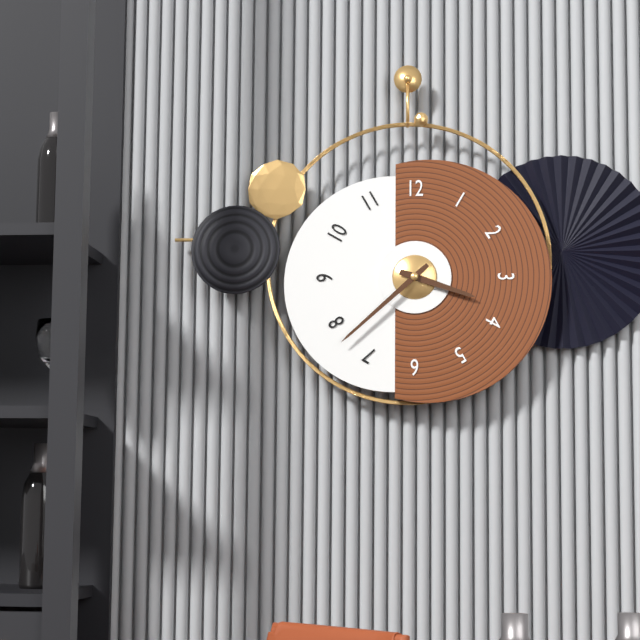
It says 3:38
